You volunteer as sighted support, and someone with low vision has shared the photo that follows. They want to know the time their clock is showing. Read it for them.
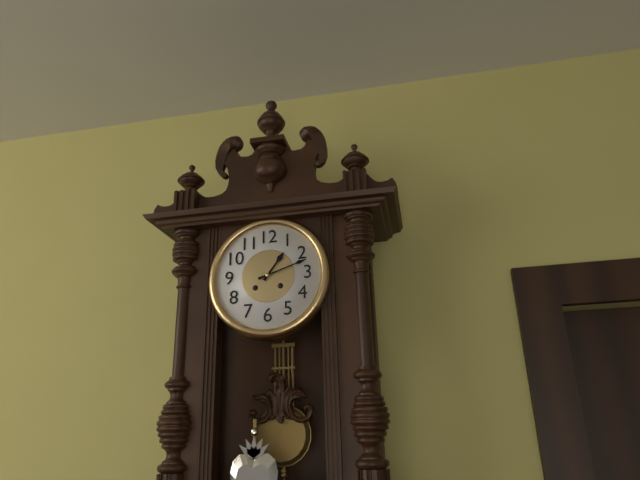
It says 1:12
